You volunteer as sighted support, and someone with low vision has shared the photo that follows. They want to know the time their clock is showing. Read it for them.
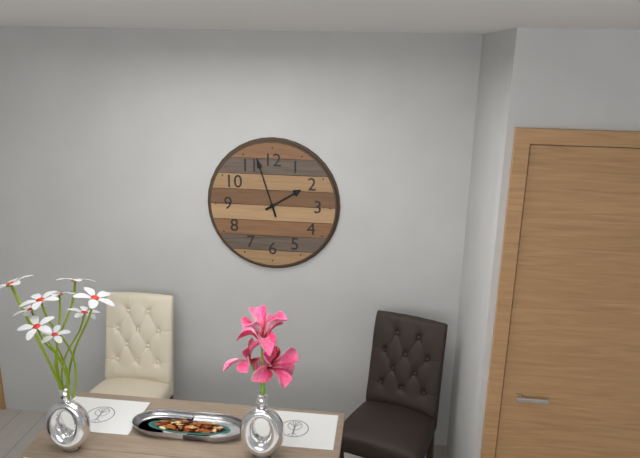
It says 1:57
